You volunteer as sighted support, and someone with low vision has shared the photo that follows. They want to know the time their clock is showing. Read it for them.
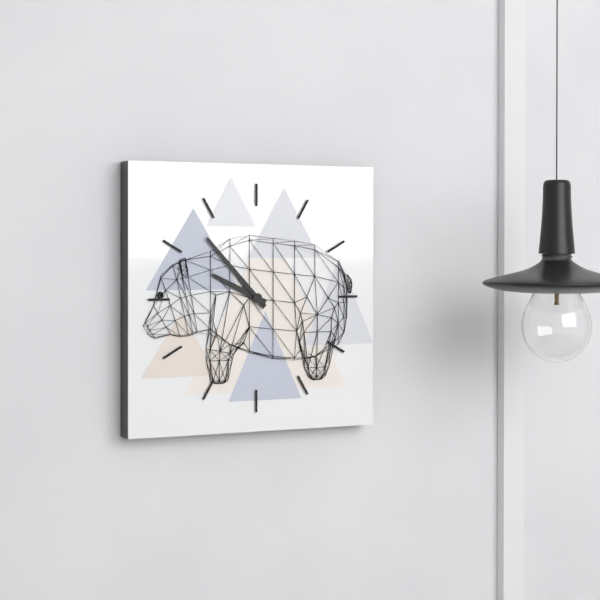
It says 9:53
